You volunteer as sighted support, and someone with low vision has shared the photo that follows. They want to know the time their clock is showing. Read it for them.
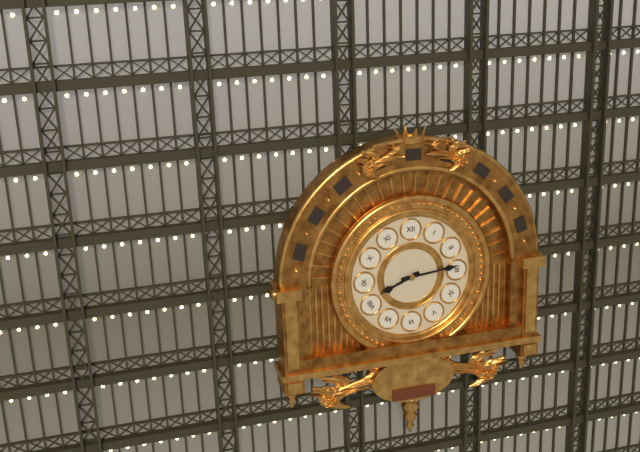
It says 8:14
